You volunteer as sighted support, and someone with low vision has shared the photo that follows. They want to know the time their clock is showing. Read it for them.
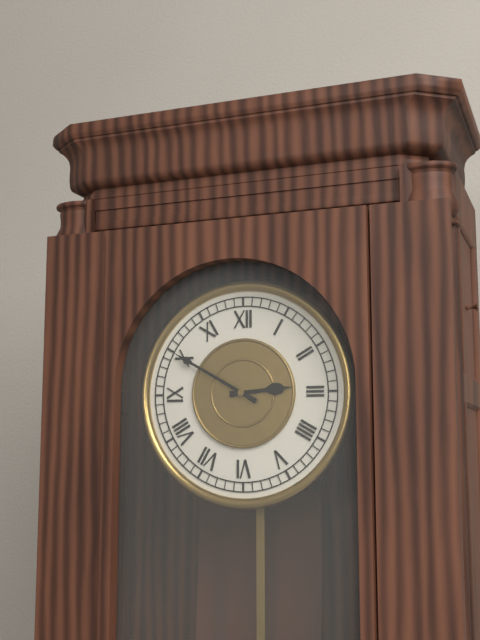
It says 2:50
